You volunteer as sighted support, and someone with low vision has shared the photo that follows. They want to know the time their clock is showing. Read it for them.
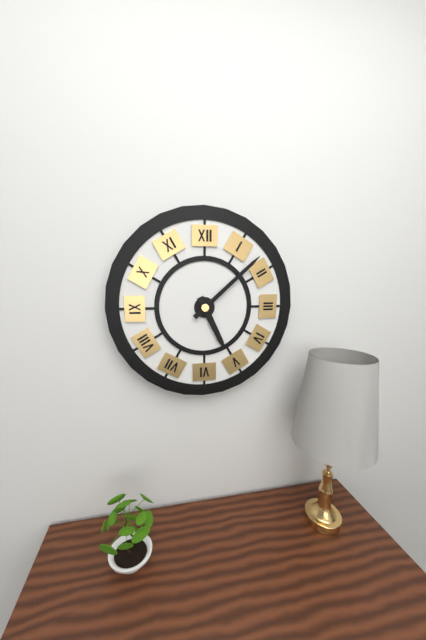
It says 5:08
